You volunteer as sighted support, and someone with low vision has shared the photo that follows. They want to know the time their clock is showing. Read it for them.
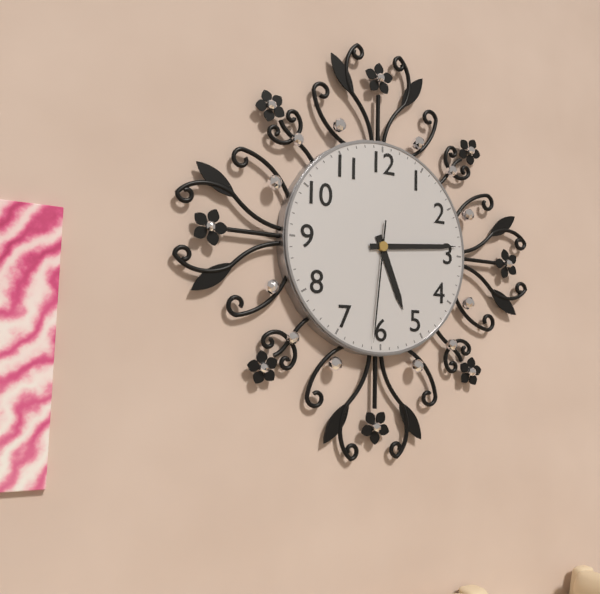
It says 5:14:31
